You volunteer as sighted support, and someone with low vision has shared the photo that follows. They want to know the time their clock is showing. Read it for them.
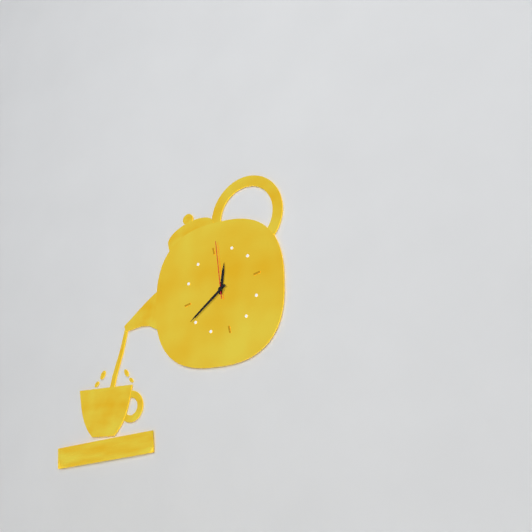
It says 12:41:01
